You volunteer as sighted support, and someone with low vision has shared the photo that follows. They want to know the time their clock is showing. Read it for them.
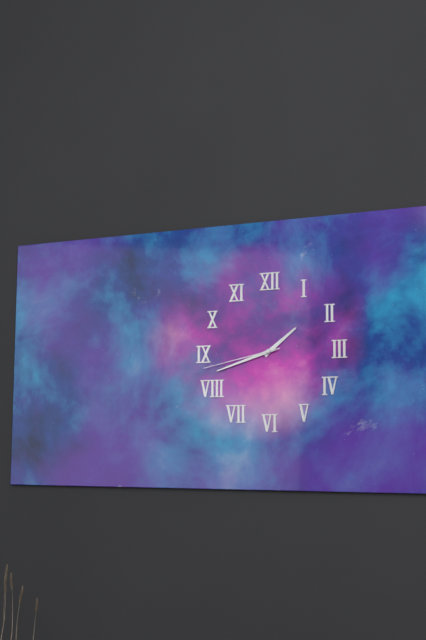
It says 1:42:43
